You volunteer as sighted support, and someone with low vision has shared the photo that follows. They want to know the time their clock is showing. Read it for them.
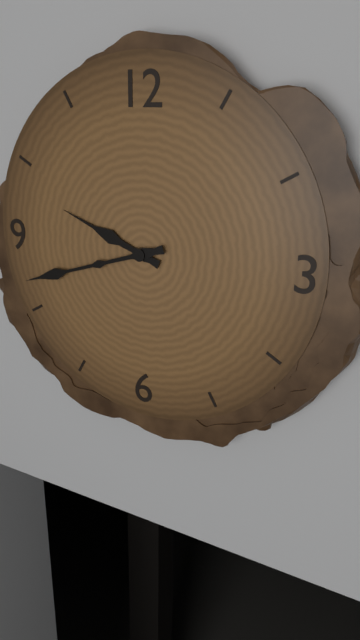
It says 9:42
